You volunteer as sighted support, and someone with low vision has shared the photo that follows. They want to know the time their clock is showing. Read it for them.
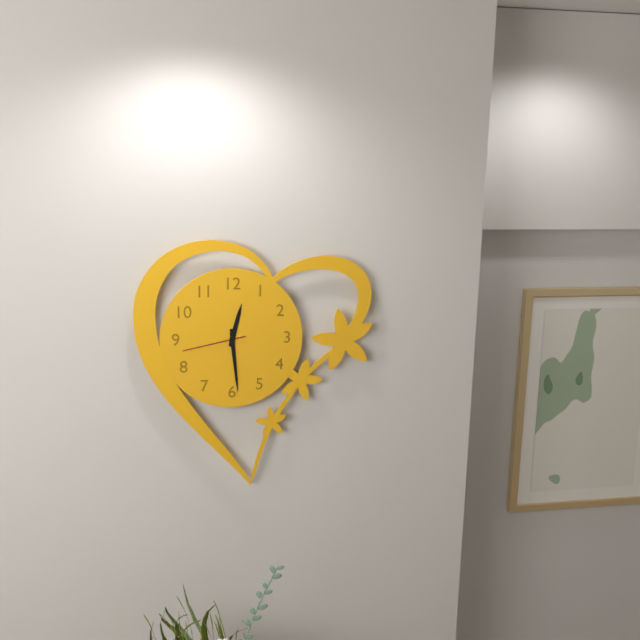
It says 12:29:43
